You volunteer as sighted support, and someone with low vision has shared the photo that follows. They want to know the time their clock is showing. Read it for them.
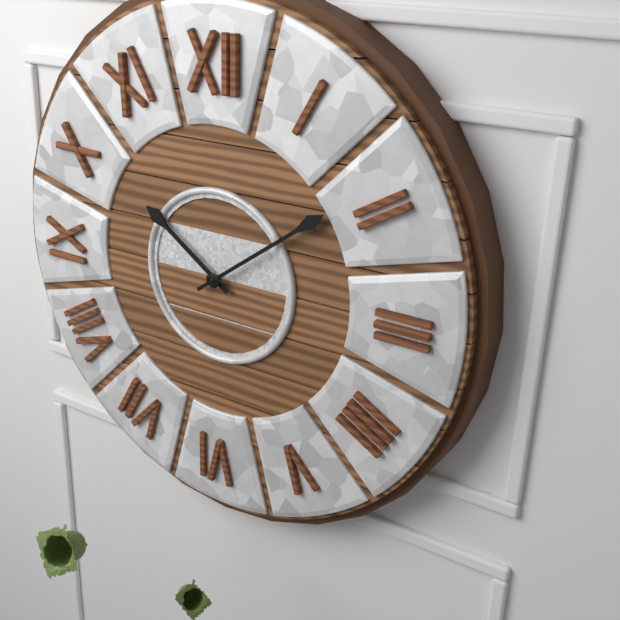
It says 10:09
